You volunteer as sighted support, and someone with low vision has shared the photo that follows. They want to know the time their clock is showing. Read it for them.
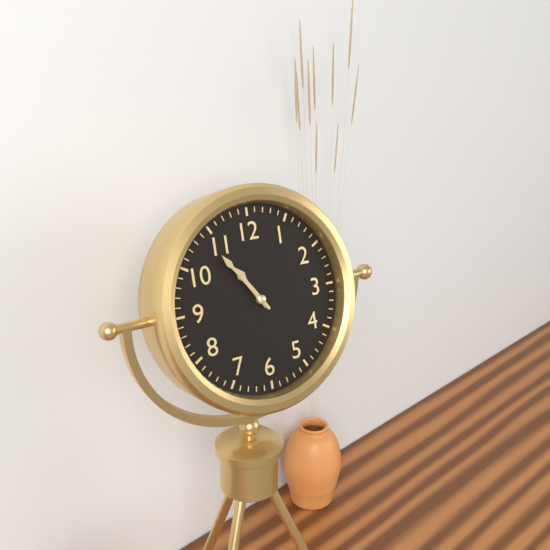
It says 10:54
